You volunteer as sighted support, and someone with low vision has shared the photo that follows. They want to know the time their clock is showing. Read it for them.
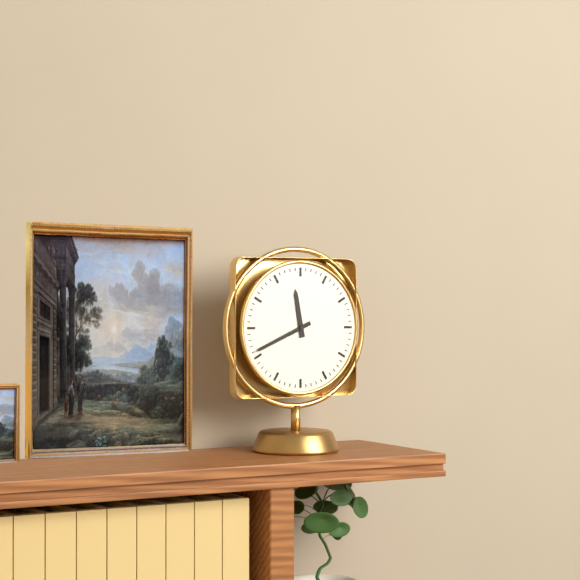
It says 11:41
